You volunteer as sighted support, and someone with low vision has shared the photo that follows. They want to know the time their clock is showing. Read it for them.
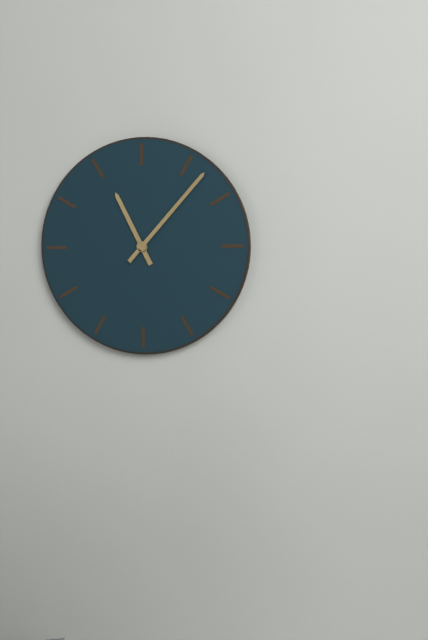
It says 11:07
